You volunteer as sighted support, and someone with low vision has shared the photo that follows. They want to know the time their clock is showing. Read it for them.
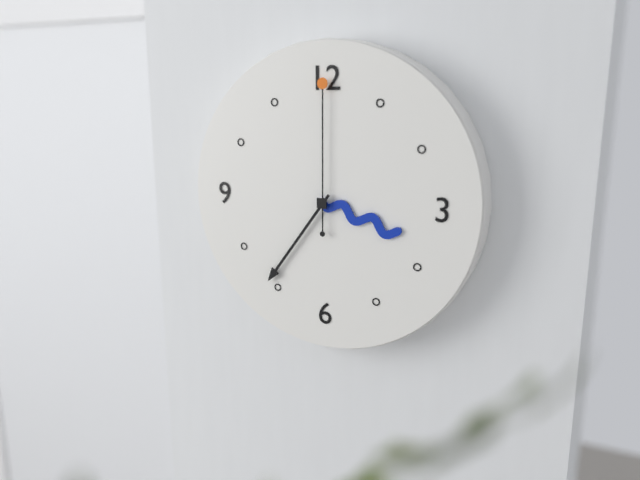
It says 3:36:00
